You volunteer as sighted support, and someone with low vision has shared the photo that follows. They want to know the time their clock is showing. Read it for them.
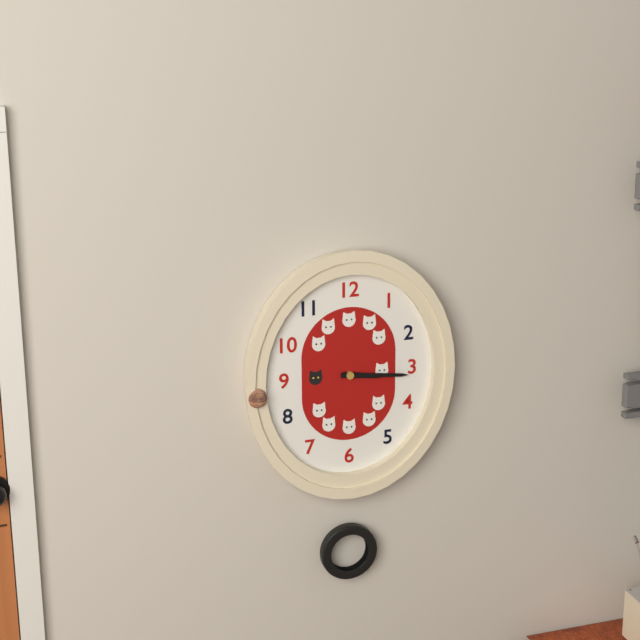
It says 3:16
